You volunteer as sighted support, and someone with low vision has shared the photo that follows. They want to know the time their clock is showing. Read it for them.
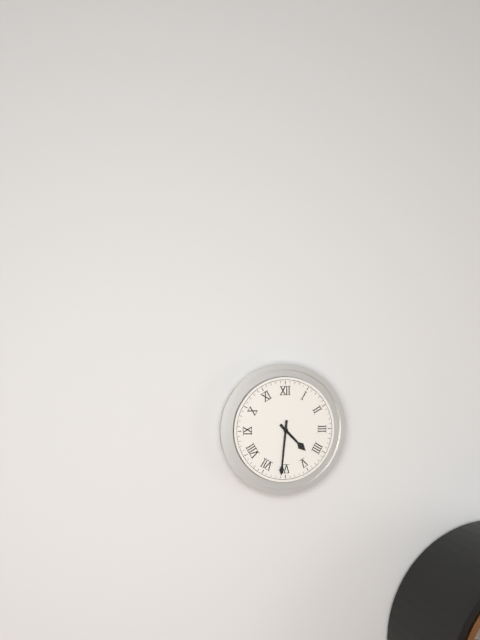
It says 4:31
